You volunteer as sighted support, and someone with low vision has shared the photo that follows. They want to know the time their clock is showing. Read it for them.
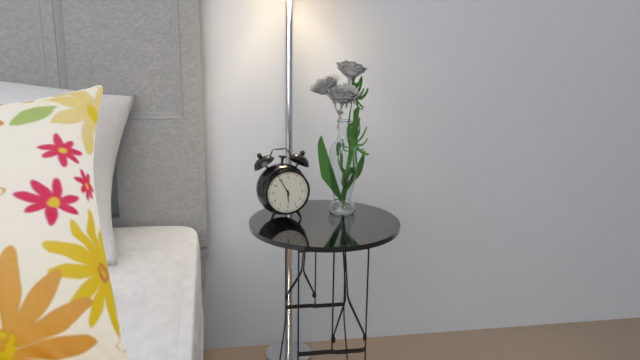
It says 5:55
